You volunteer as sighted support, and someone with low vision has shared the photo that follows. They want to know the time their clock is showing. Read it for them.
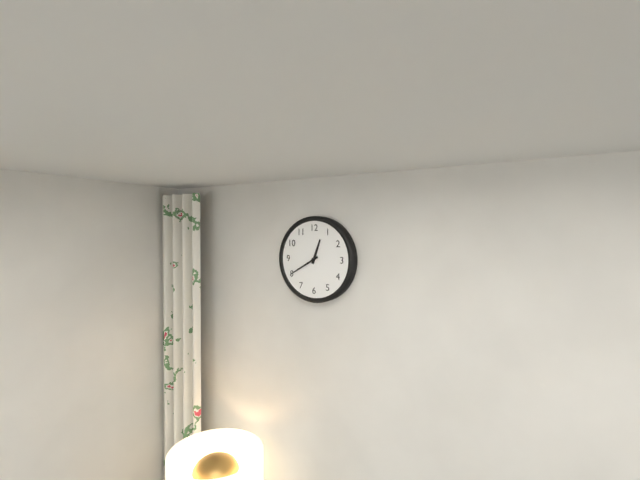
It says 12:40
